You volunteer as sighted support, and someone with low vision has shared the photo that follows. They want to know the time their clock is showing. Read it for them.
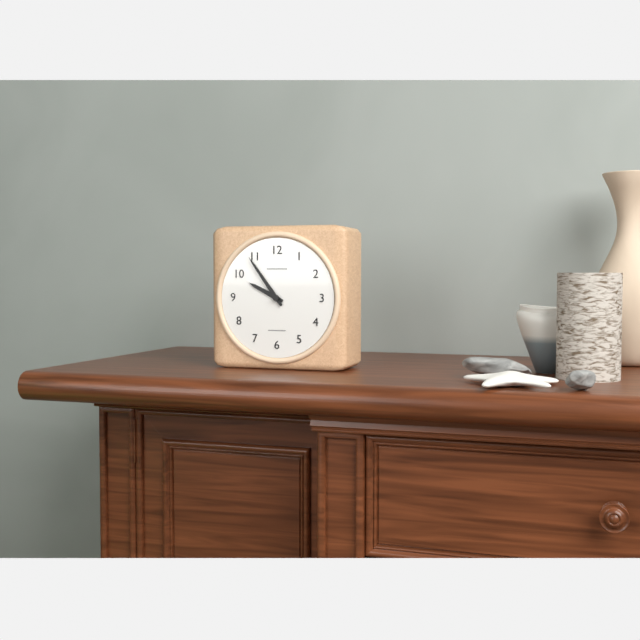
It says 9:54
